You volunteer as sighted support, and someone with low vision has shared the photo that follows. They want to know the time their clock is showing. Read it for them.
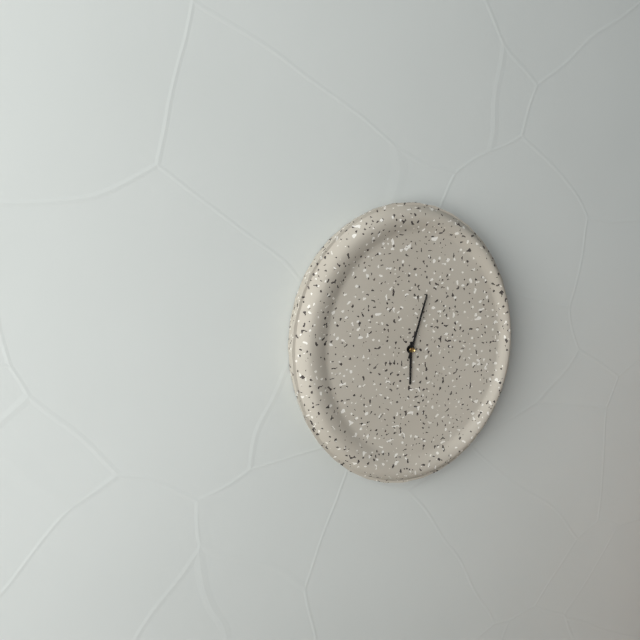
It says 6:03
